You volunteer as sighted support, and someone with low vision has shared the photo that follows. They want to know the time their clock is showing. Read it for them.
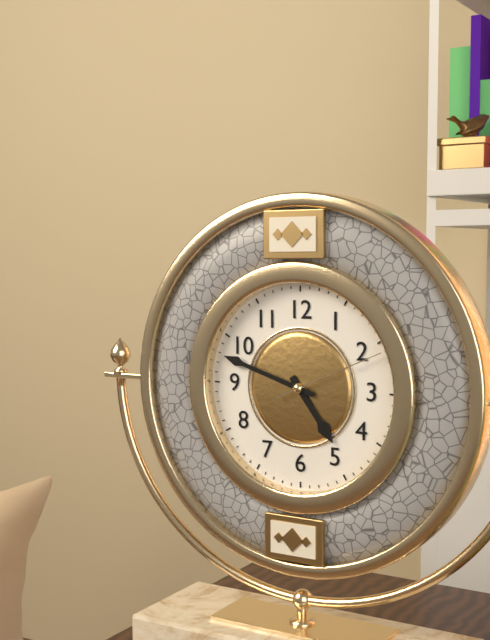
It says 4:48:11
